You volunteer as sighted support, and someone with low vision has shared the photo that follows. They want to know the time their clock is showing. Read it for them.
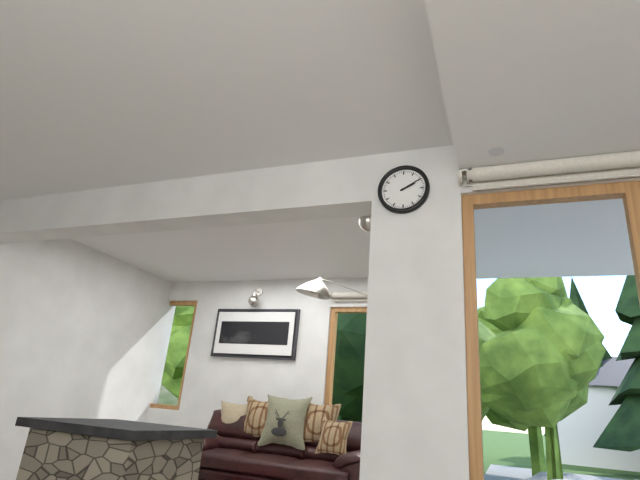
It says 2:10
